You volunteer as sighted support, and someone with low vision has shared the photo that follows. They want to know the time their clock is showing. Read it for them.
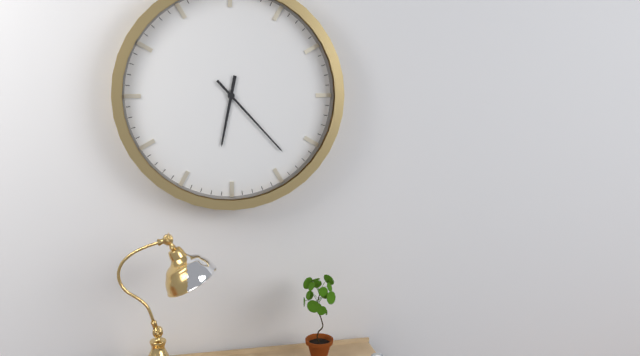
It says 6:23
